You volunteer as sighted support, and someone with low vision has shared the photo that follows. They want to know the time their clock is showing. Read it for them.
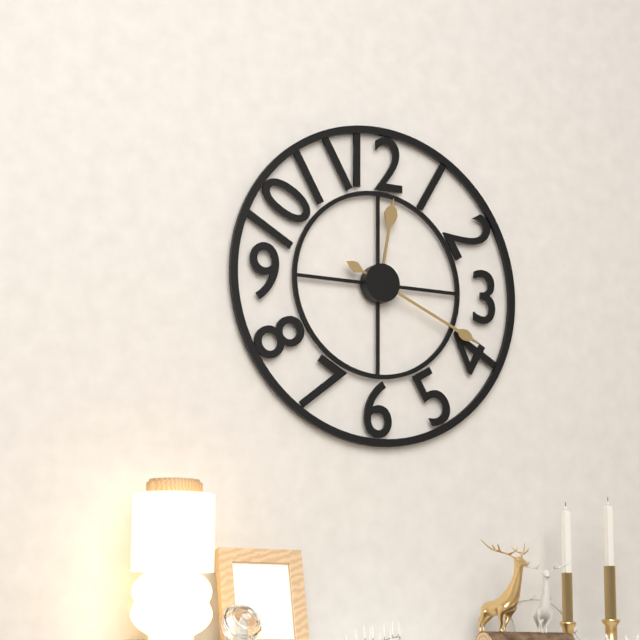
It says 12:19
